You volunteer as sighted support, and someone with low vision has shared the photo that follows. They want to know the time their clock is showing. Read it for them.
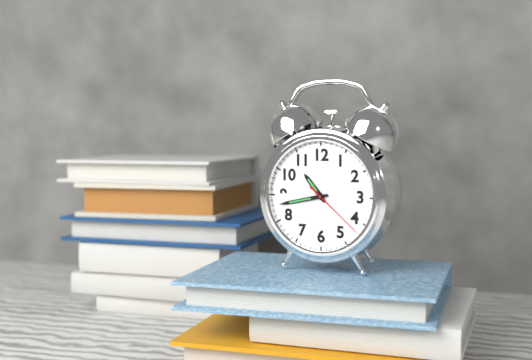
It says 10:43:22
